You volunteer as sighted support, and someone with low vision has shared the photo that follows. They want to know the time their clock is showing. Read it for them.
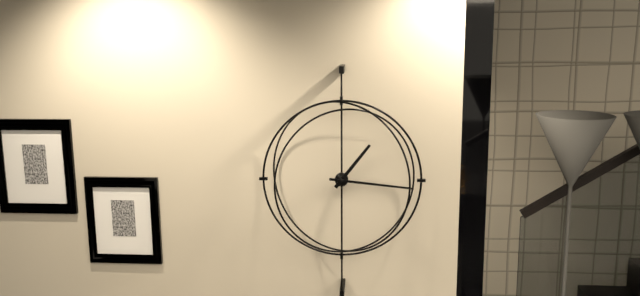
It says 1:16
